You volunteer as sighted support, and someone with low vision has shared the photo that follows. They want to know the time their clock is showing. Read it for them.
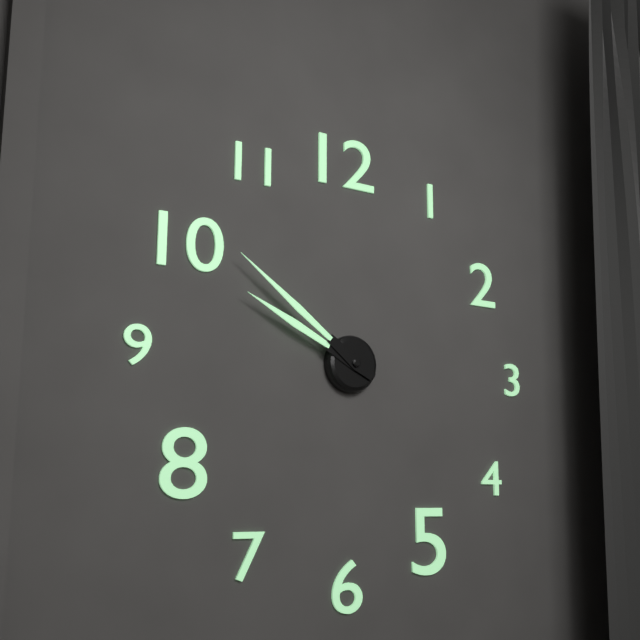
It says 9:51
